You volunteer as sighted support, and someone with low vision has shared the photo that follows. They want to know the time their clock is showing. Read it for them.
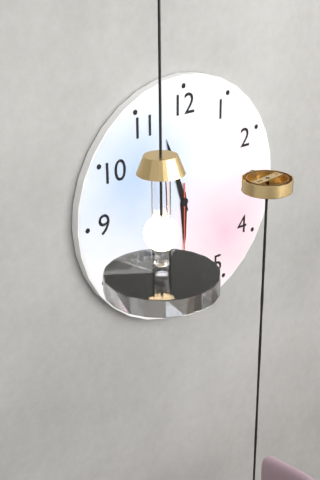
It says 5:57:30
